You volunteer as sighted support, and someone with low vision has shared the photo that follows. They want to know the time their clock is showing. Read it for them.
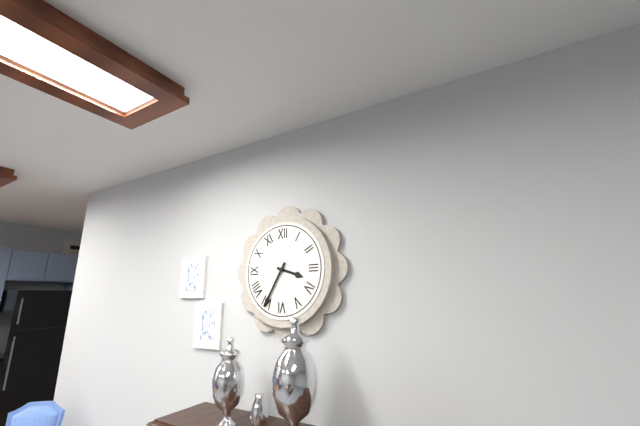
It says 3:35
